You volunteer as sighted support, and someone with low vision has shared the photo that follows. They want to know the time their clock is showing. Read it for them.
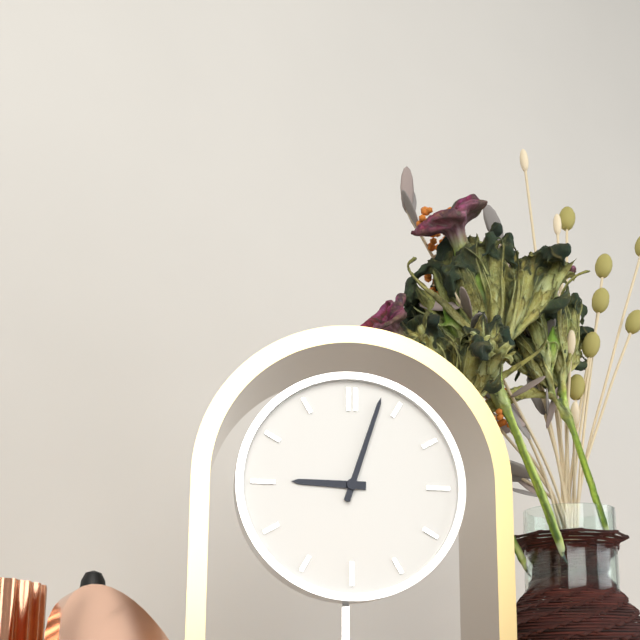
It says 9:03
